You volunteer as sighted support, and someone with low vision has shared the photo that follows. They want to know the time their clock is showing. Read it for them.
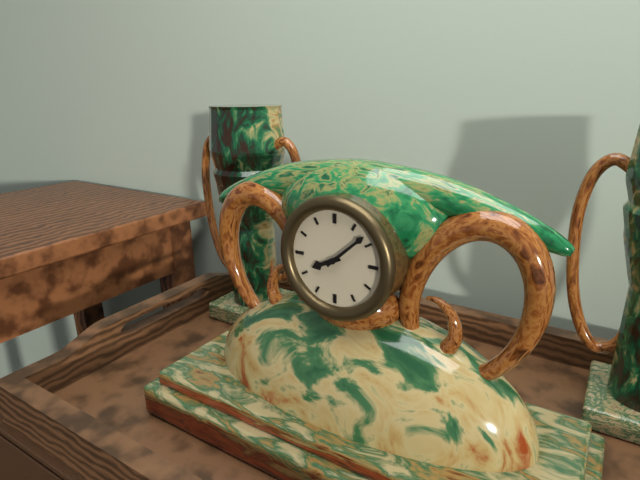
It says 8:08
